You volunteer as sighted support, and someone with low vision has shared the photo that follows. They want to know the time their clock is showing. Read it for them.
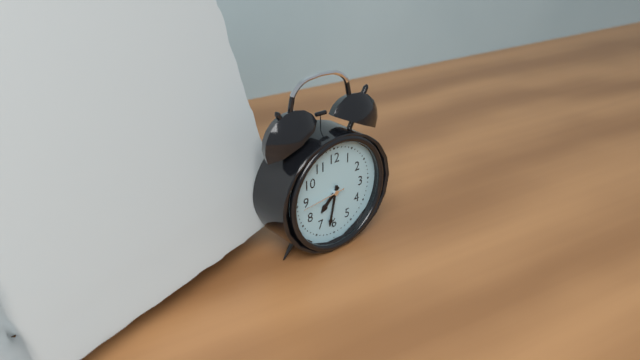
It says 7:32
